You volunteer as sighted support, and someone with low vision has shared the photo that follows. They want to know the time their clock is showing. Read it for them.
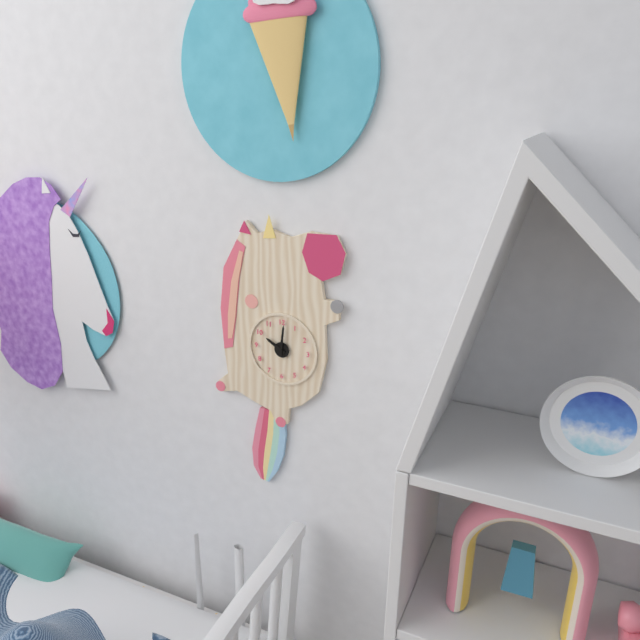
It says 10:01
